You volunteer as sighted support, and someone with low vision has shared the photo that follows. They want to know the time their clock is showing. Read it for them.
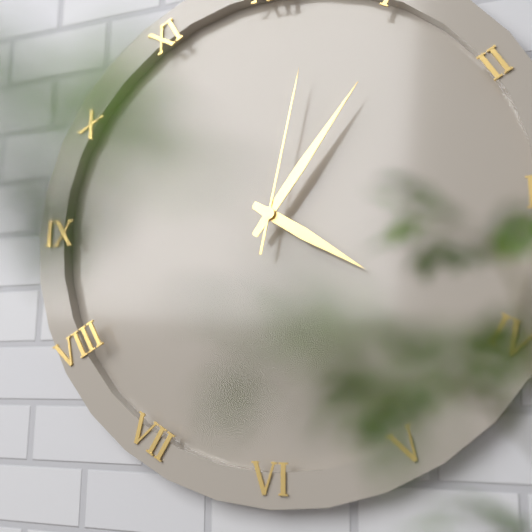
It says 4:06:02
